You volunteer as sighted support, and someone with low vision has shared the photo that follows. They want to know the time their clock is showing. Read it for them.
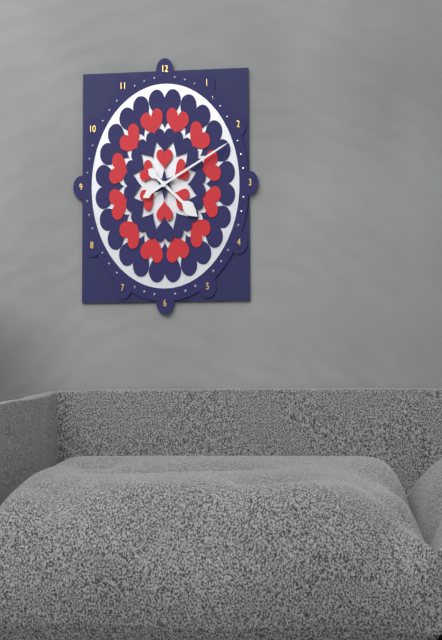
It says 4:11
